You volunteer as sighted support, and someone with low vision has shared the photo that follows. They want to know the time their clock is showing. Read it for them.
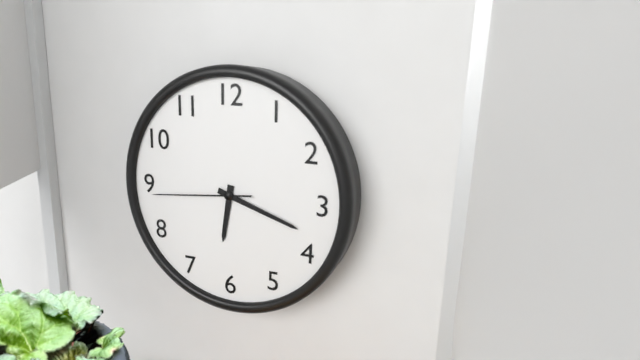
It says 6:18:44
